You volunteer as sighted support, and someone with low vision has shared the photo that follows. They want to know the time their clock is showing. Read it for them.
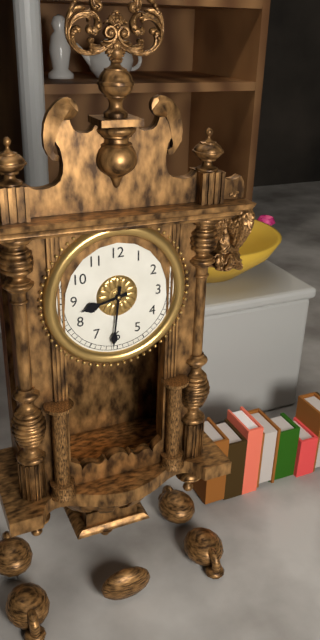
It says 8:31
